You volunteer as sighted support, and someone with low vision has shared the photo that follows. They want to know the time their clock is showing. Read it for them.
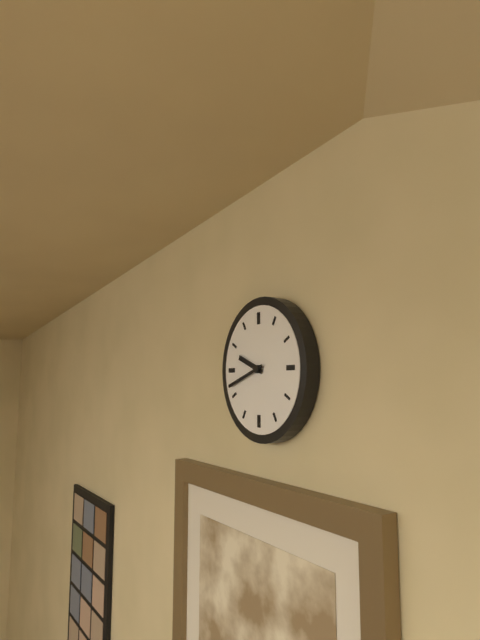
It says 9:42
